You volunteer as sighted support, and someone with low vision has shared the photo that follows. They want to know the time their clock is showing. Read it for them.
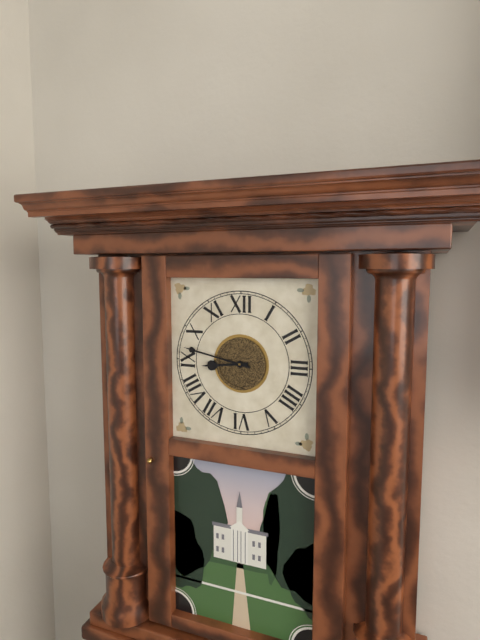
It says 8:47
